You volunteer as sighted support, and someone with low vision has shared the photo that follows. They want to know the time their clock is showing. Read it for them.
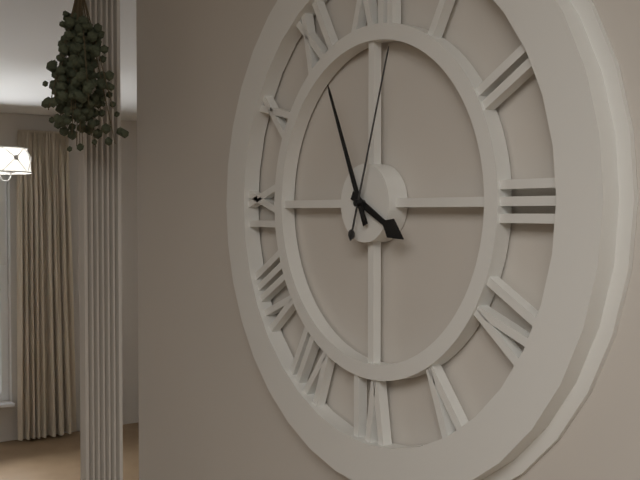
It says 3:56:03
